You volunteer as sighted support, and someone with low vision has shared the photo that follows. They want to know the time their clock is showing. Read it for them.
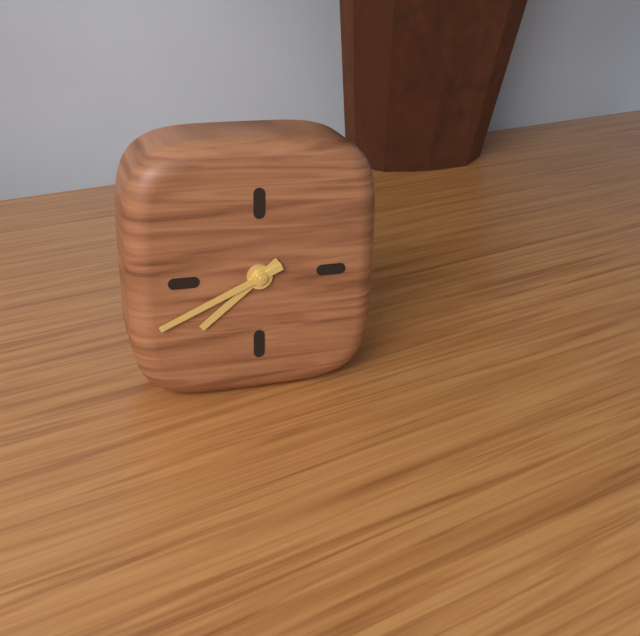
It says 7:41
